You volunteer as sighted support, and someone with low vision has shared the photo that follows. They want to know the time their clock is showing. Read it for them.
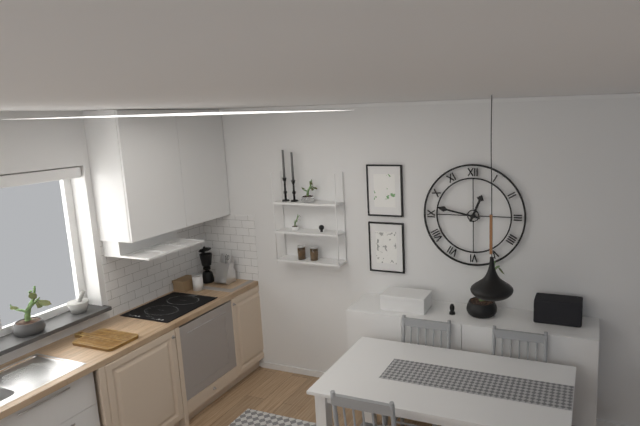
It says 12:47
